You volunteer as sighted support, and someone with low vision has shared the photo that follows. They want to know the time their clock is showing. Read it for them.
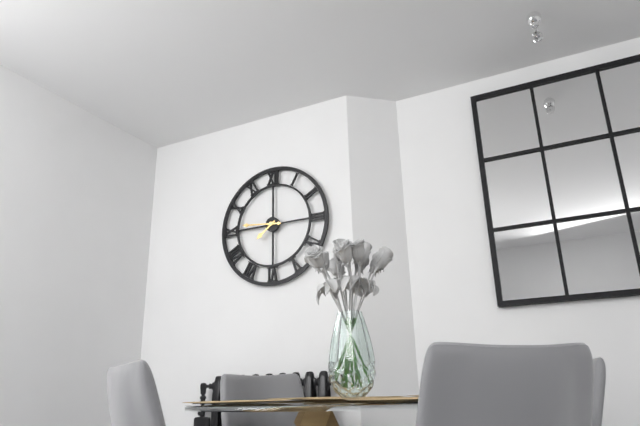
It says 7:46
